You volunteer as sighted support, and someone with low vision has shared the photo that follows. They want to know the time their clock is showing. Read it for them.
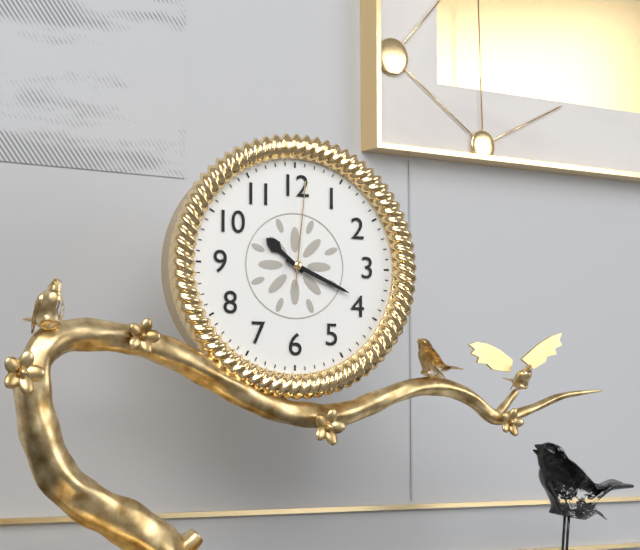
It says 10:19:01
